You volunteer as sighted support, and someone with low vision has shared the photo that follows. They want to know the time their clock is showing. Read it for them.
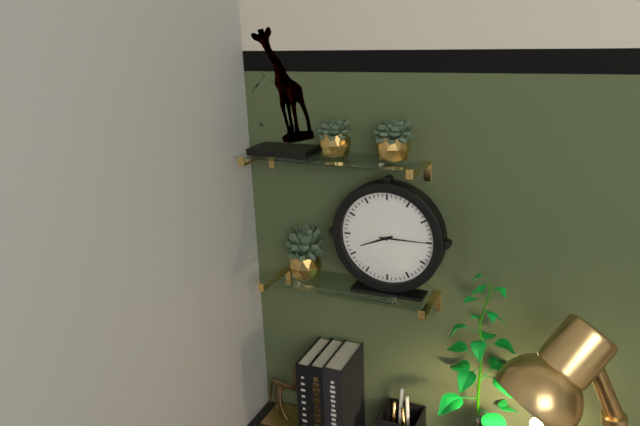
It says 8:15
